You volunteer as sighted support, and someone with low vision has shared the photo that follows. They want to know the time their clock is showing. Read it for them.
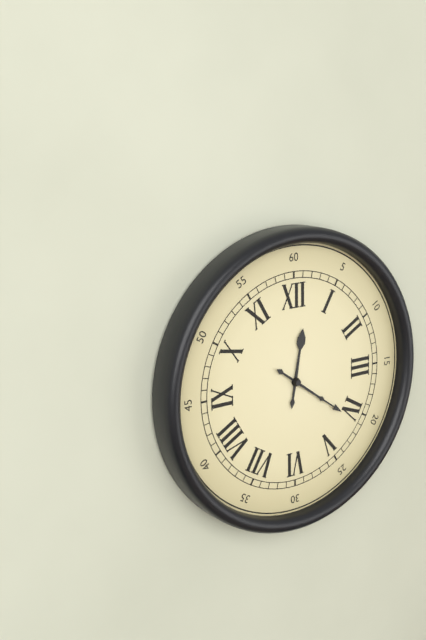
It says 12:21
